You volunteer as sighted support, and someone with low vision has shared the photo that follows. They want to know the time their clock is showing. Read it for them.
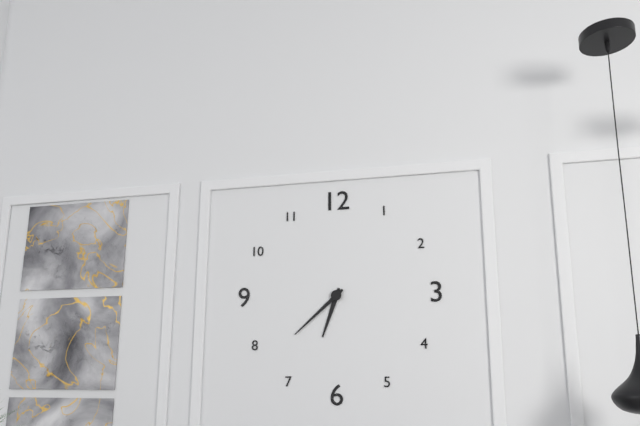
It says 6:38
